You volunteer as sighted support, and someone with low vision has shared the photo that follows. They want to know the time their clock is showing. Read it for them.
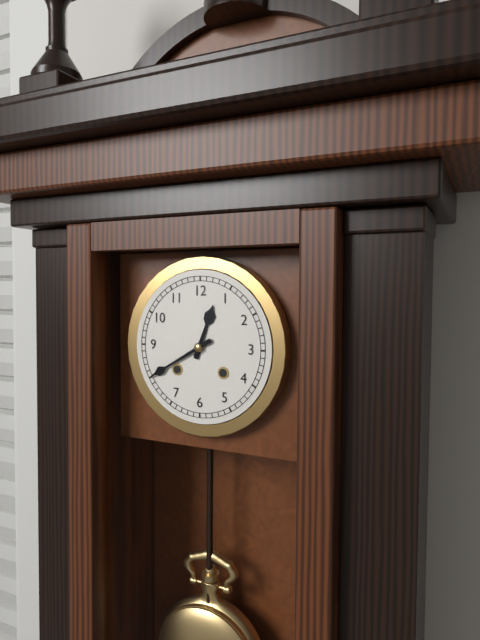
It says 12:40
